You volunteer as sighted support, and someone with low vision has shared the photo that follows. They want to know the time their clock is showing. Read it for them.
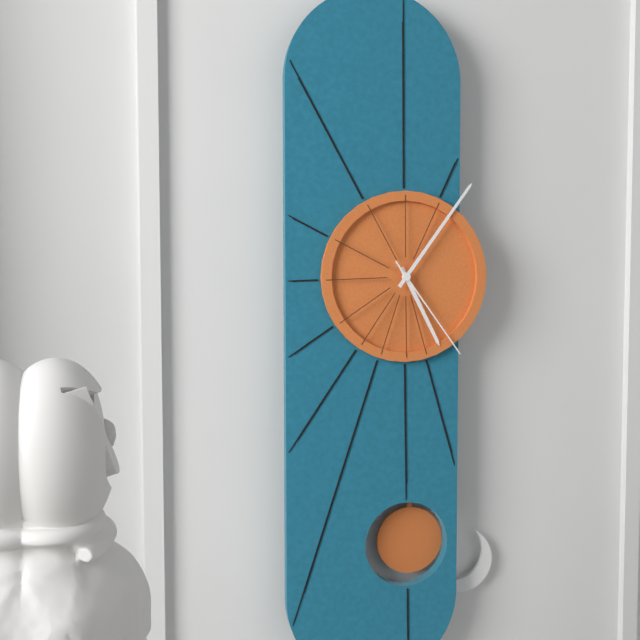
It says 5:06:24
